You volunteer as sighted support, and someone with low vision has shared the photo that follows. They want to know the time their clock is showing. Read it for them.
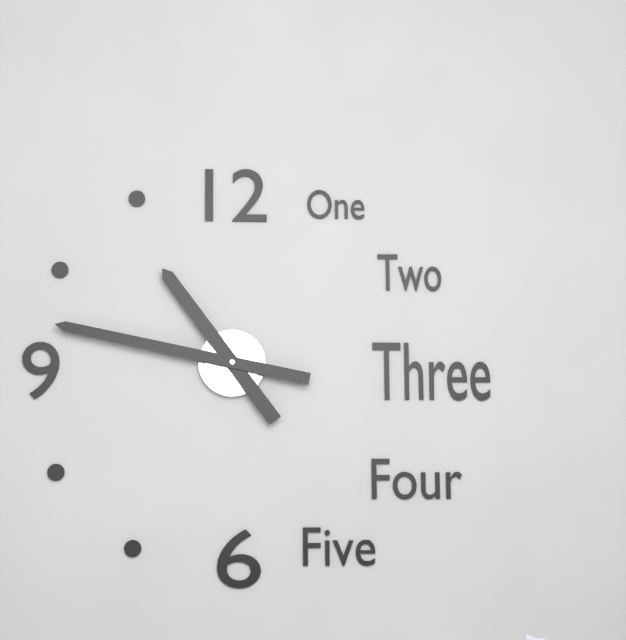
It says 10:47
